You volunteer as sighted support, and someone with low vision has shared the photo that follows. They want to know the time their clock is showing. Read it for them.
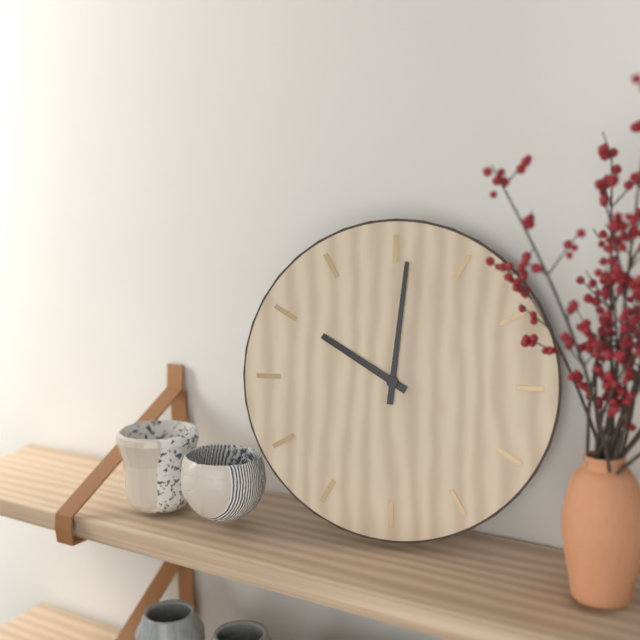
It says 10:01
